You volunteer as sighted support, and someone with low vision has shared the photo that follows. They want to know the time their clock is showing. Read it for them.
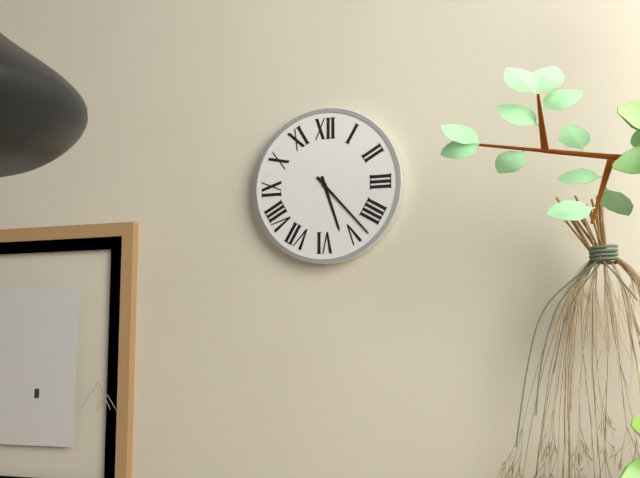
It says 5:23
